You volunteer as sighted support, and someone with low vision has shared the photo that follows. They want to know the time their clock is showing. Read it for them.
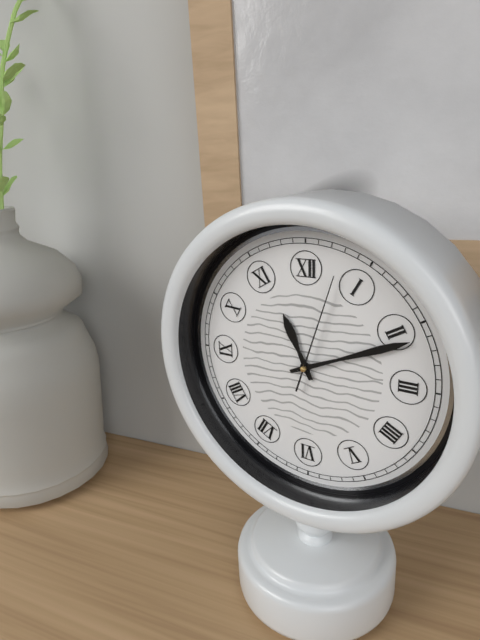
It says 11:11:03
